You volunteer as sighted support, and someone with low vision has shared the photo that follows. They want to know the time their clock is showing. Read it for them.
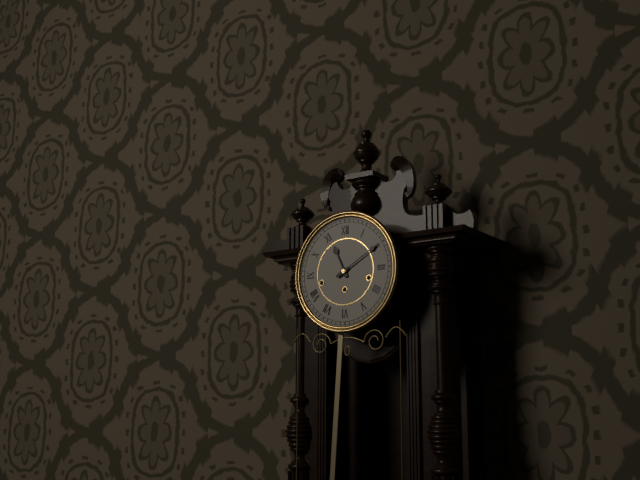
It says 11:10
